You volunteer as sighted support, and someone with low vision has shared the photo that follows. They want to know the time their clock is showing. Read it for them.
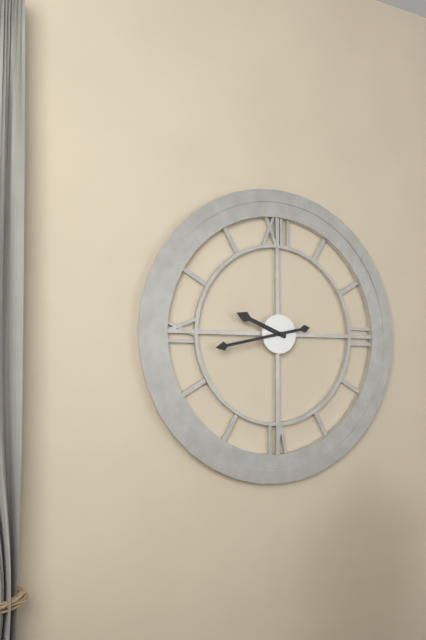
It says 9:43
